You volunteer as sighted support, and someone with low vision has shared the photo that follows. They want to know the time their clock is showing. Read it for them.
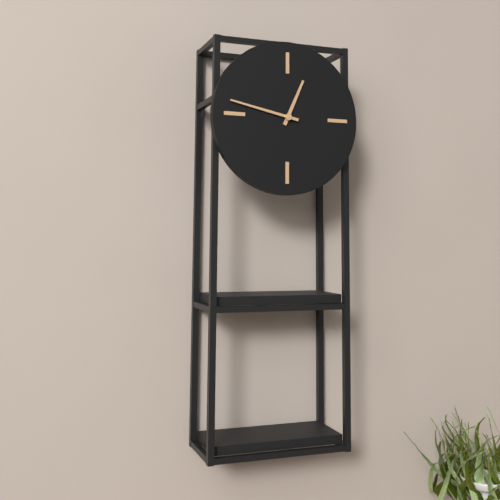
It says 12:47
